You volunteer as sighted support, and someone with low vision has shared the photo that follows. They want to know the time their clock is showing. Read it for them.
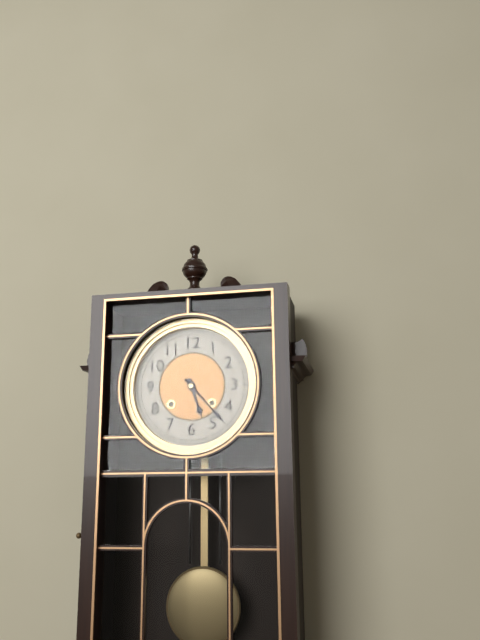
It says 5:23
